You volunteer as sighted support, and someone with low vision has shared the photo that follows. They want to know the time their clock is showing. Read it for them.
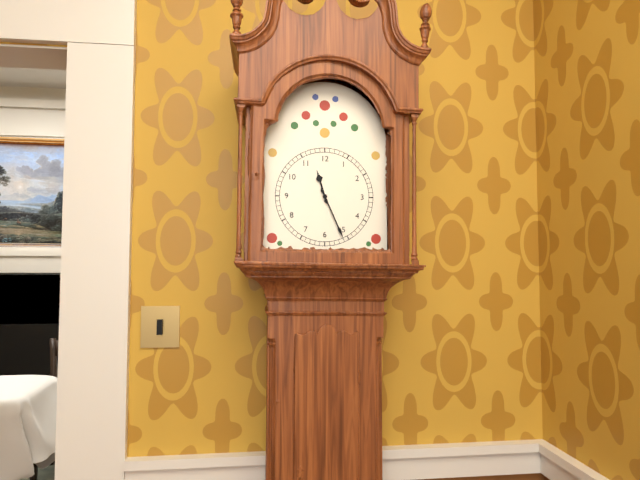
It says 11:26
